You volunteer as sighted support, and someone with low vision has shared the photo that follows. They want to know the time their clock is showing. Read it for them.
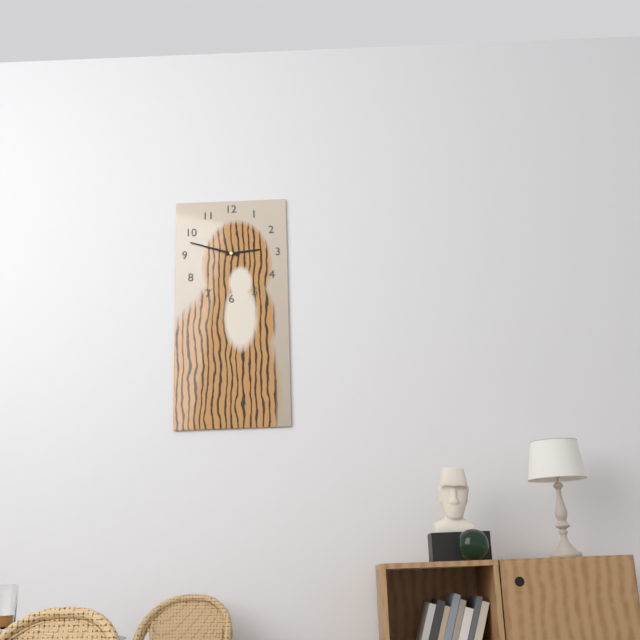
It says 2:48
